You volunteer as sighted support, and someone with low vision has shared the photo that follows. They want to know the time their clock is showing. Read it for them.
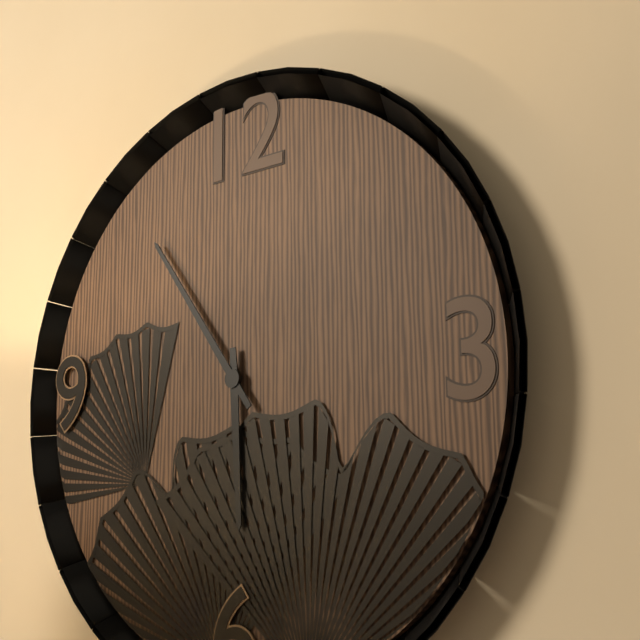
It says 5:54
